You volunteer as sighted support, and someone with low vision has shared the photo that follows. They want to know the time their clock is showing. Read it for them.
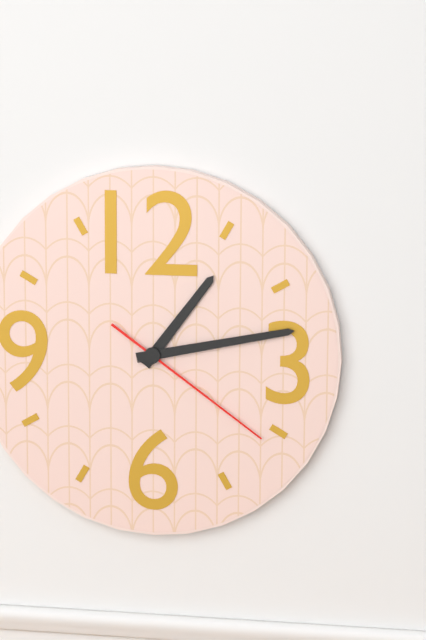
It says 1:13:21
